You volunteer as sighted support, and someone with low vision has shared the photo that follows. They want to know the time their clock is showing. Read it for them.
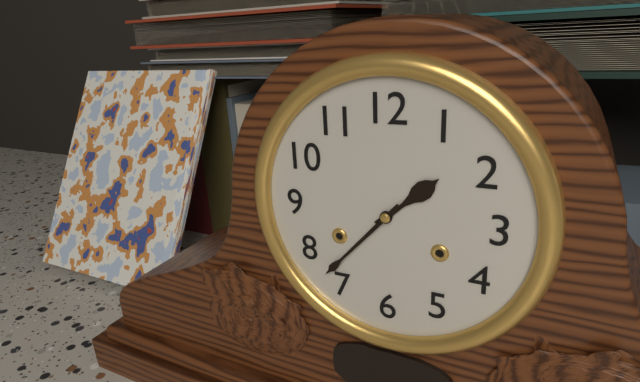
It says 1:37
